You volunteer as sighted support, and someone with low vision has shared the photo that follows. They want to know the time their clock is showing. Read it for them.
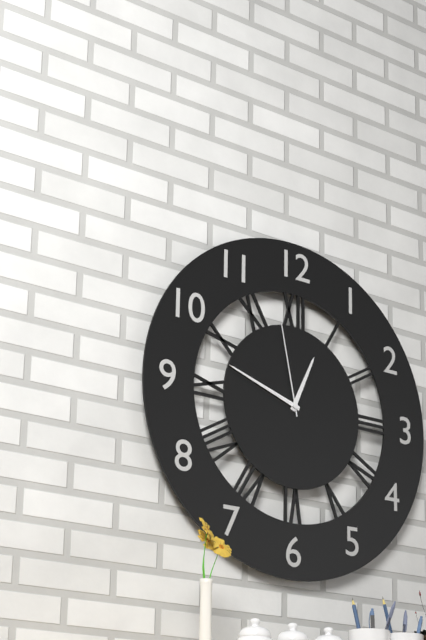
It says 12:48:58
